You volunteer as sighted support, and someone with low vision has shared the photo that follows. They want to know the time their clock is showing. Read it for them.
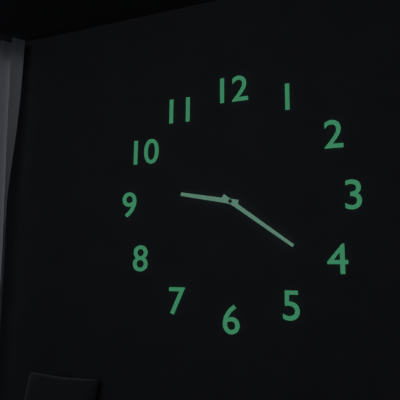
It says 9:21
